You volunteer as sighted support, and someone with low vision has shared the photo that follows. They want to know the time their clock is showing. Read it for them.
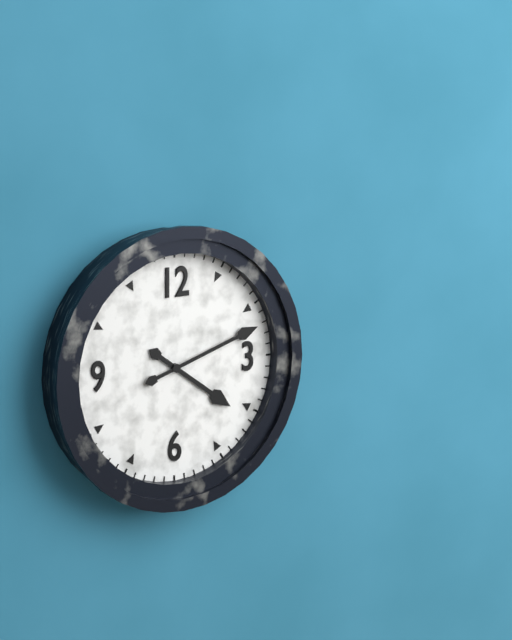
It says 4:12
